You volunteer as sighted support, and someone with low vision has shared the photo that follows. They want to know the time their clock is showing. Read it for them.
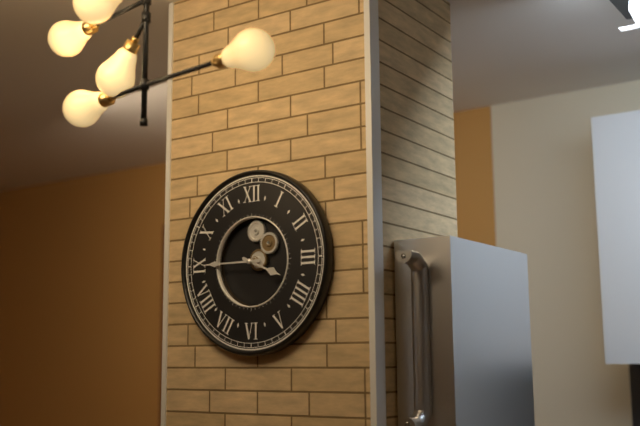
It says 3:45
